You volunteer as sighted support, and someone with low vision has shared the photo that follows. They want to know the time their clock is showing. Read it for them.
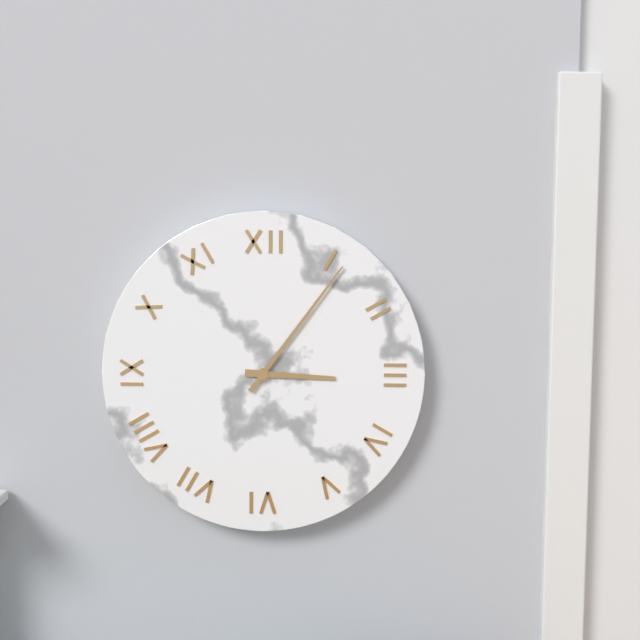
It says 3:06
